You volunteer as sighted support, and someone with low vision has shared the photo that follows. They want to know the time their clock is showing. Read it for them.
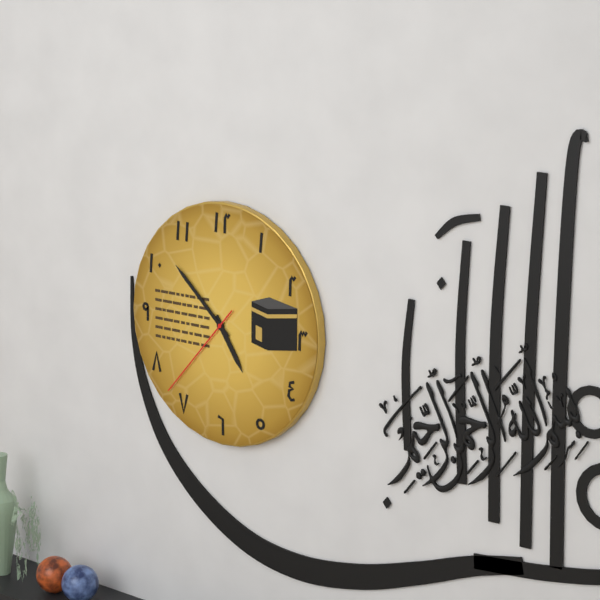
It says 4:52:37
